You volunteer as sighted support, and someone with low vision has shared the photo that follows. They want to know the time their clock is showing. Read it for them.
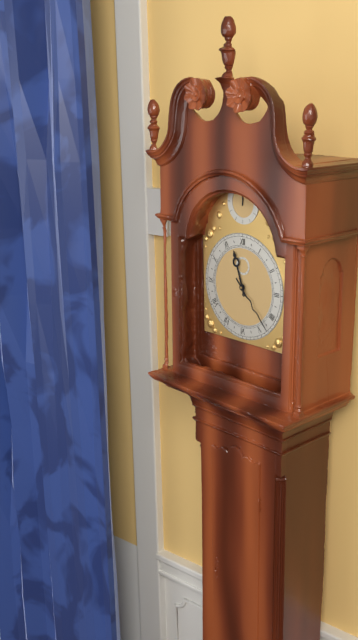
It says 11:23
